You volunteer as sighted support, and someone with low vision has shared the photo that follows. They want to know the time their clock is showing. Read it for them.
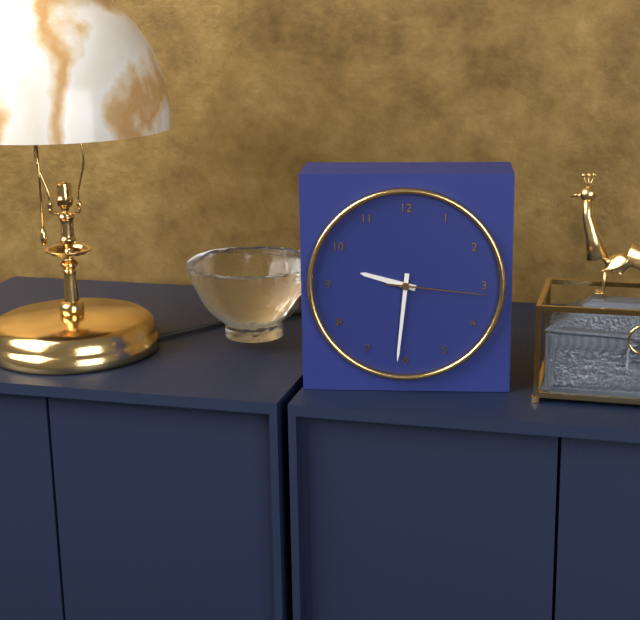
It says 9:31:16
